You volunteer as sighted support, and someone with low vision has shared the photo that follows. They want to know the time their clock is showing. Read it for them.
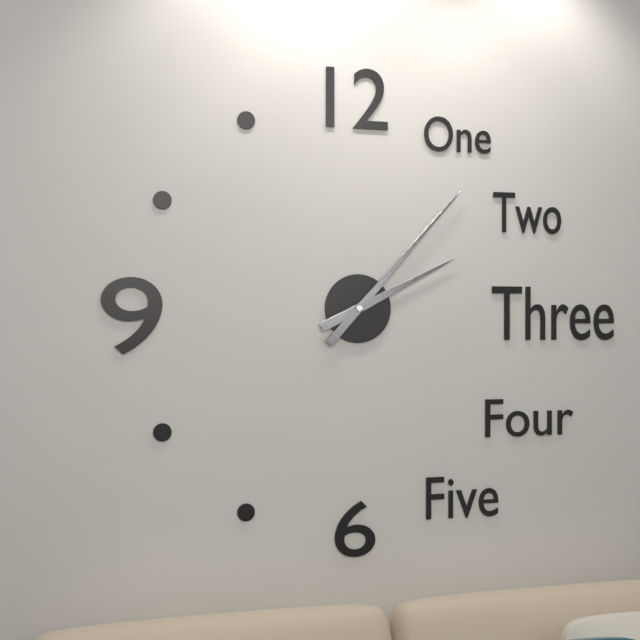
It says 2:07
